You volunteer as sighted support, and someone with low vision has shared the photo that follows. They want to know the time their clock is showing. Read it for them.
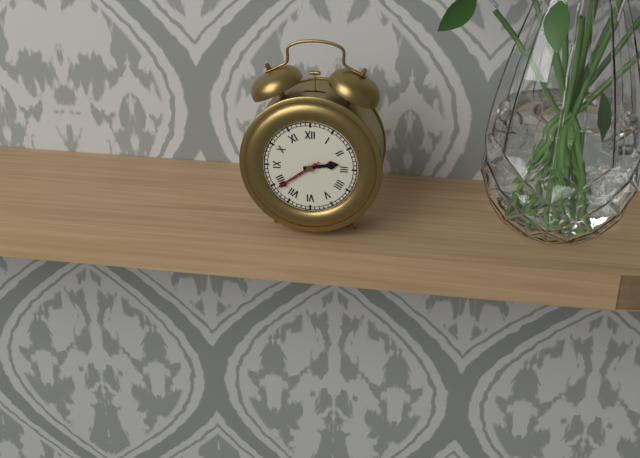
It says 2:39:39
